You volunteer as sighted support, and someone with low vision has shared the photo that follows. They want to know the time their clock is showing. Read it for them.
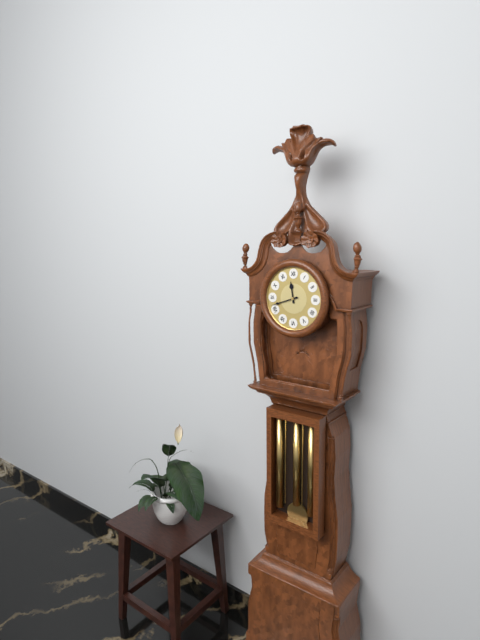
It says 11:42
